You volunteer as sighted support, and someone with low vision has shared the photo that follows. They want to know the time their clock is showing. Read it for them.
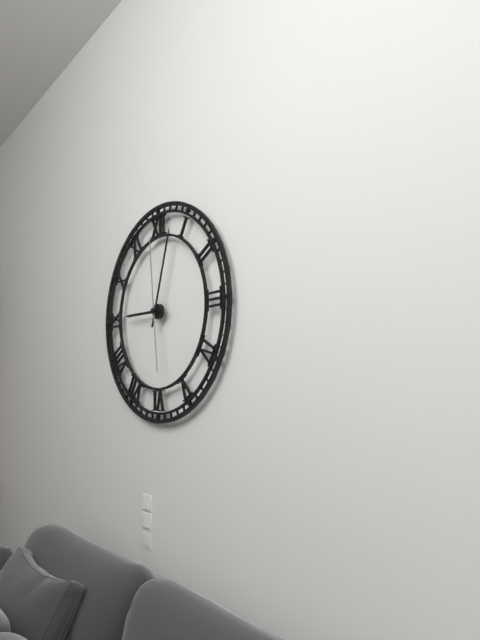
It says 9:03:59
